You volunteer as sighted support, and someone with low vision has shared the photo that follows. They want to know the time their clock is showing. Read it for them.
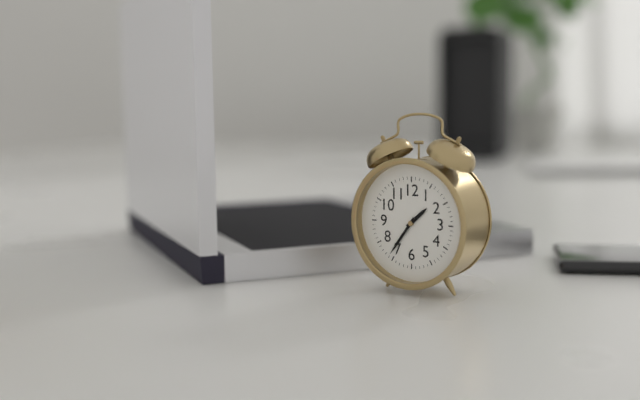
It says 1:36
